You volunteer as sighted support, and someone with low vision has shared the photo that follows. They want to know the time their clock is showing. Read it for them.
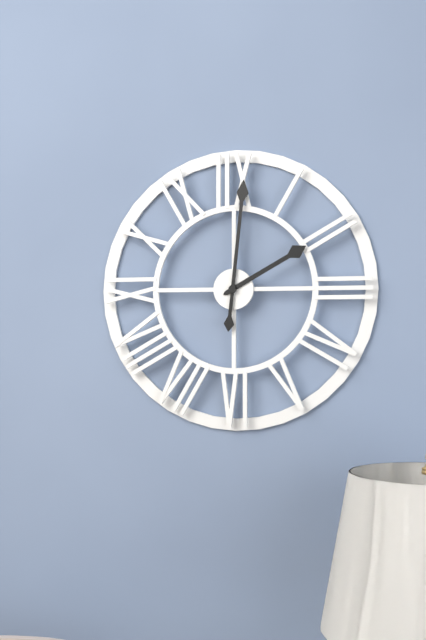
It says 2:01
